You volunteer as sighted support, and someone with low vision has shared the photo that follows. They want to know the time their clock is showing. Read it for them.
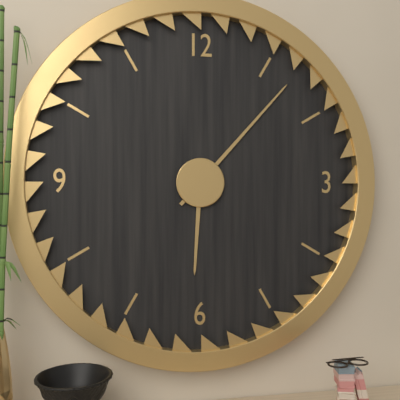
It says 6:07
